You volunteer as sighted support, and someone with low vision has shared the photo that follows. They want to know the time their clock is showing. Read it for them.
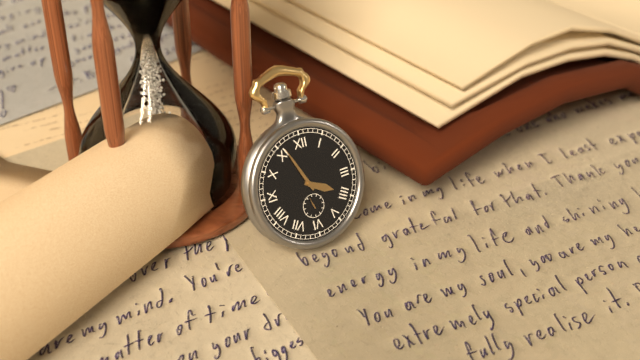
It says 3:56
